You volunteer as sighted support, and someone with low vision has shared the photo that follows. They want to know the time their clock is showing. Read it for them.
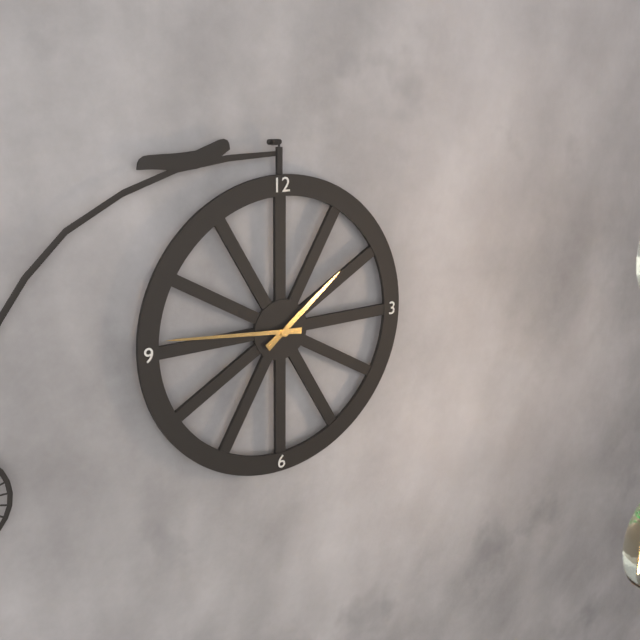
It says 1:46
